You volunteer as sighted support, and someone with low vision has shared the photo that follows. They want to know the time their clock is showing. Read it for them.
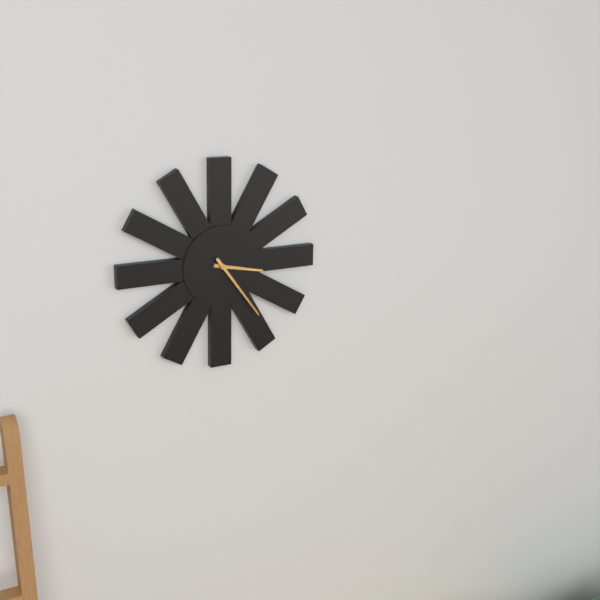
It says 3:24
